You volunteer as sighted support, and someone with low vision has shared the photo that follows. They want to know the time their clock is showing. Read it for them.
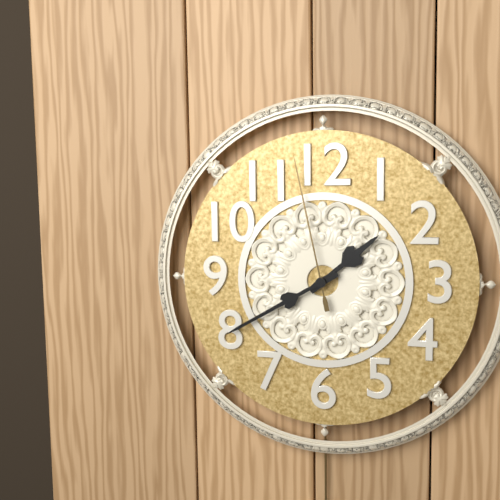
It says 1:40:58
